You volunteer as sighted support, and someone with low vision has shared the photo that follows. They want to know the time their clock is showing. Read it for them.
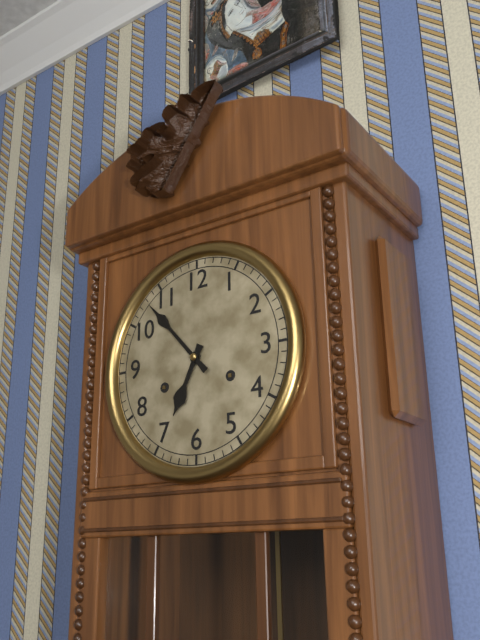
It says 6:53
